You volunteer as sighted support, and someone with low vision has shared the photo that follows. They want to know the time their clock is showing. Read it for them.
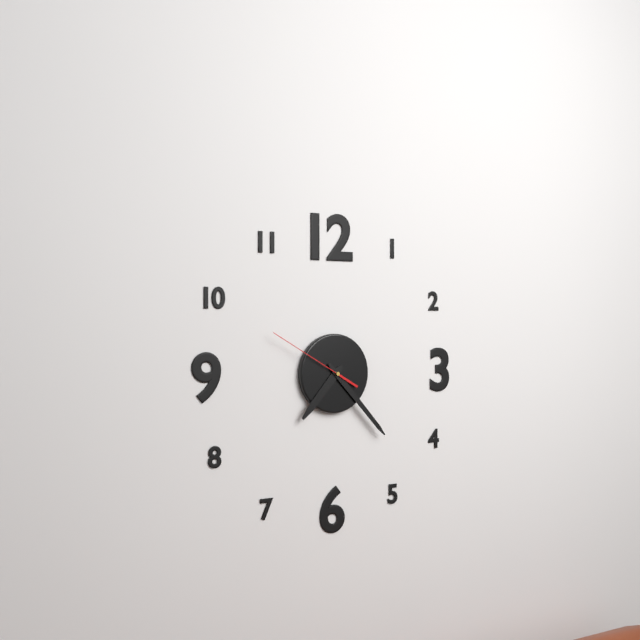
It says 7:23:50
